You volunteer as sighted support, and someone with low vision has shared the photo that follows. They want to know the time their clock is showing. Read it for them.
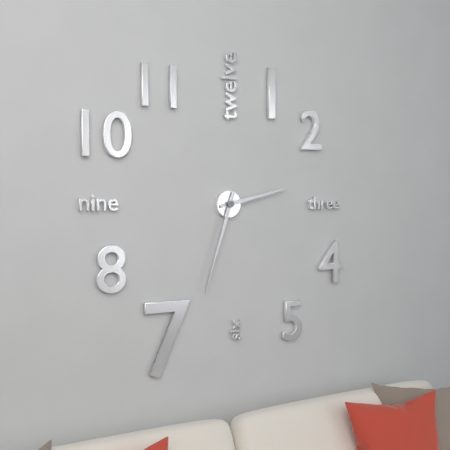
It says 2:33
